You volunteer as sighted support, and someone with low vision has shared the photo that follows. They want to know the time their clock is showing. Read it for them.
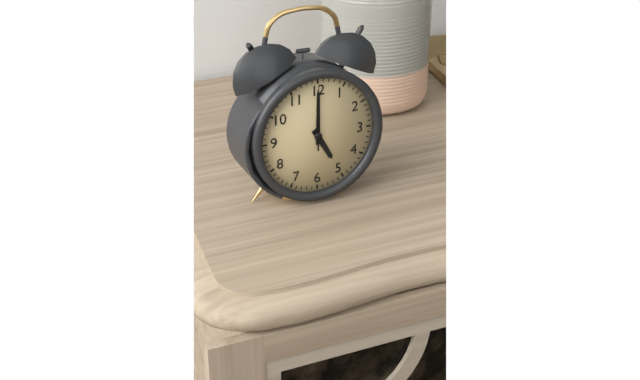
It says 5:00:00
